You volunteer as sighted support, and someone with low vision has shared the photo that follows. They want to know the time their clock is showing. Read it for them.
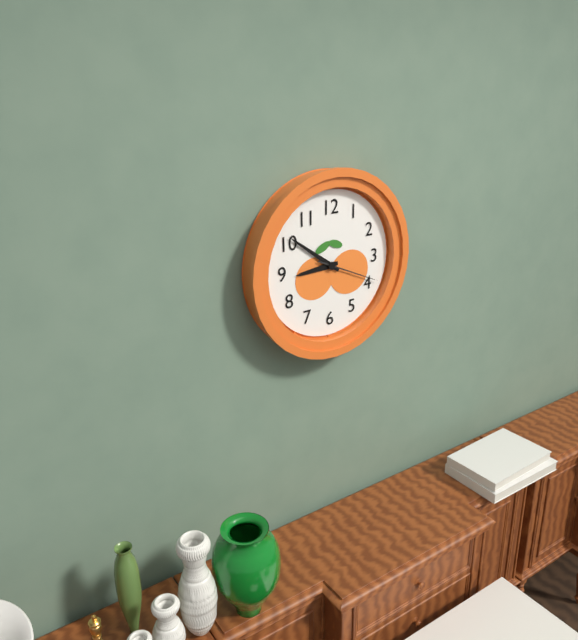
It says 8:51:19
